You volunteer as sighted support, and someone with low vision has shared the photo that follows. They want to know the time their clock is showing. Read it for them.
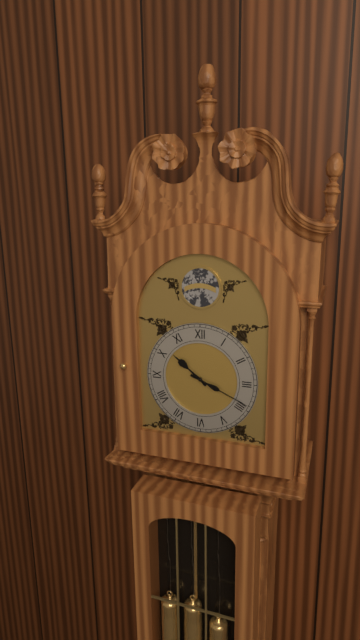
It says 10:19
